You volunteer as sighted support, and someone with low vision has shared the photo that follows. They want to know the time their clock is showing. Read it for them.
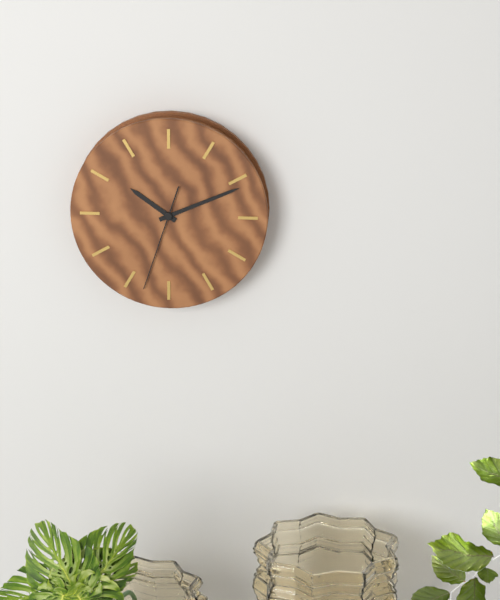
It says 10:11:33
